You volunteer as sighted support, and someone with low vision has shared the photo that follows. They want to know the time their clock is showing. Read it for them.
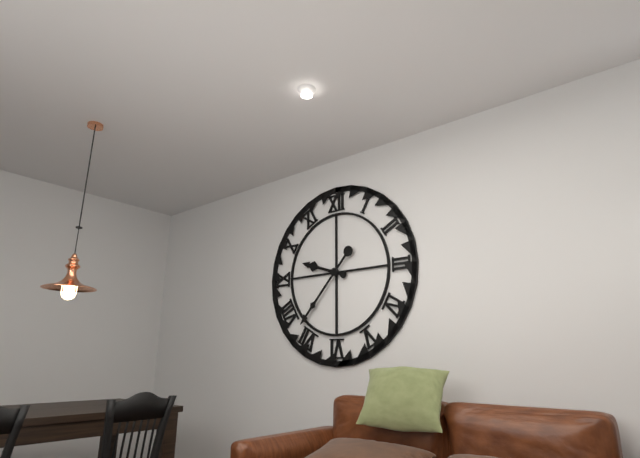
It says 9:37
